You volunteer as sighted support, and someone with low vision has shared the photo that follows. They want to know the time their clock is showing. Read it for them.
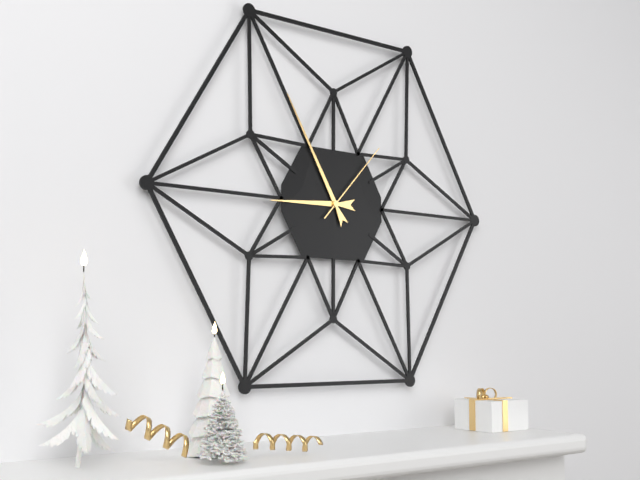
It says 8:55:07
